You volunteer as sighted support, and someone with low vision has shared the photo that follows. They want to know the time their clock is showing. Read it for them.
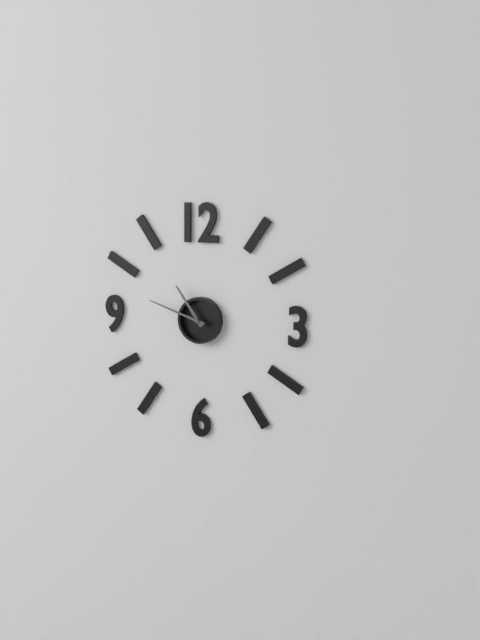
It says 10:48
